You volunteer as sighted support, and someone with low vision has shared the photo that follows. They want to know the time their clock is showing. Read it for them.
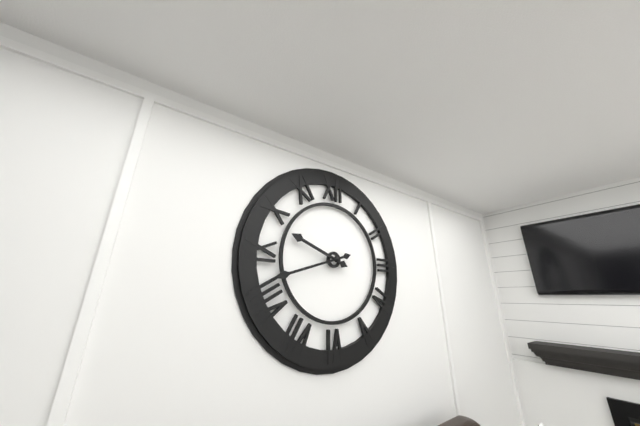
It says 9:42
